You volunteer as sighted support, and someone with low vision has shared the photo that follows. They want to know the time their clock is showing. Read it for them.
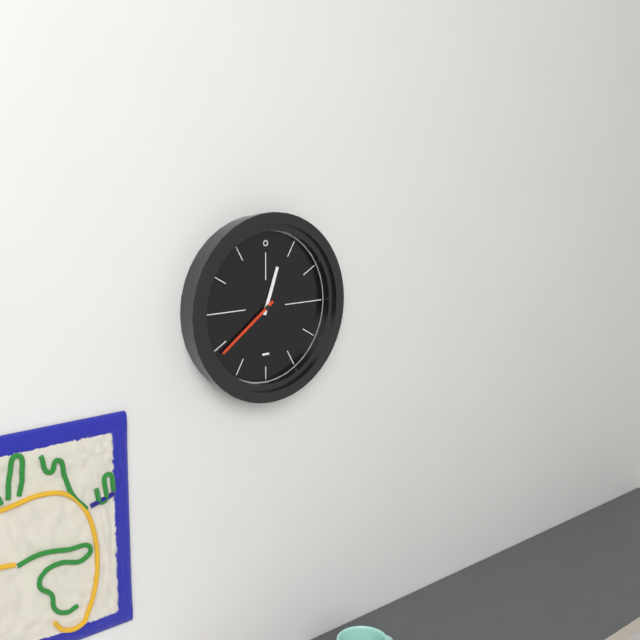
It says 12:39
